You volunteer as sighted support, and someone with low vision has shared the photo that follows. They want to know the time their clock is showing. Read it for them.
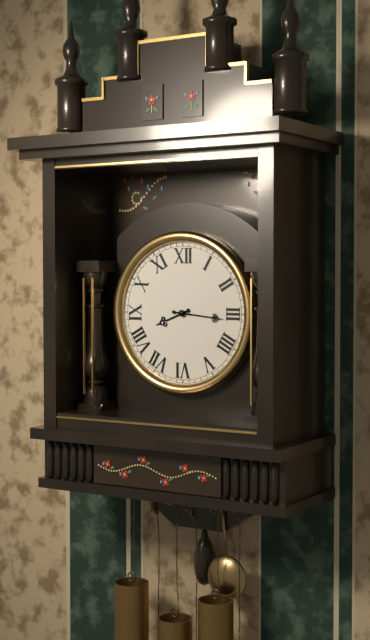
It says 8:16
